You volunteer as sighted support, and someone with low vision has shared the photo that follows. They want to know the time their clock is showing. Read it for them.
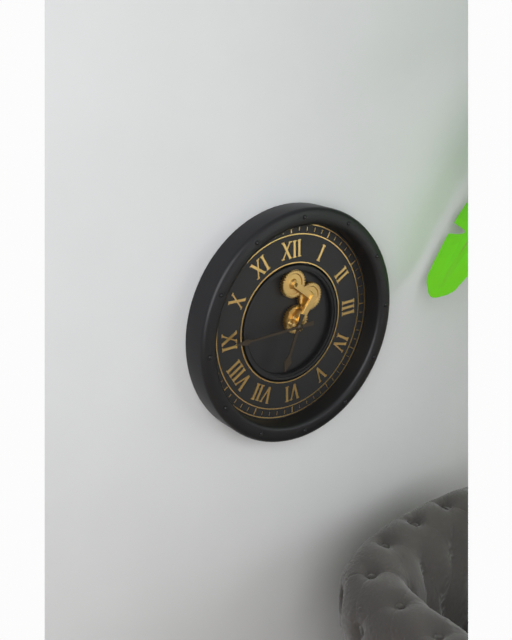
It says 6:45
